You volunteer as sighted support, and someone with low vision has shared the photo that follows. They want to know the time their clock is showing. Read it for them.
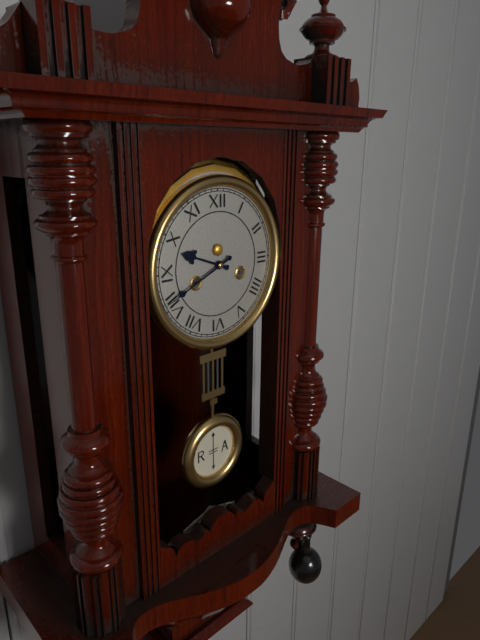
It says 9:41
